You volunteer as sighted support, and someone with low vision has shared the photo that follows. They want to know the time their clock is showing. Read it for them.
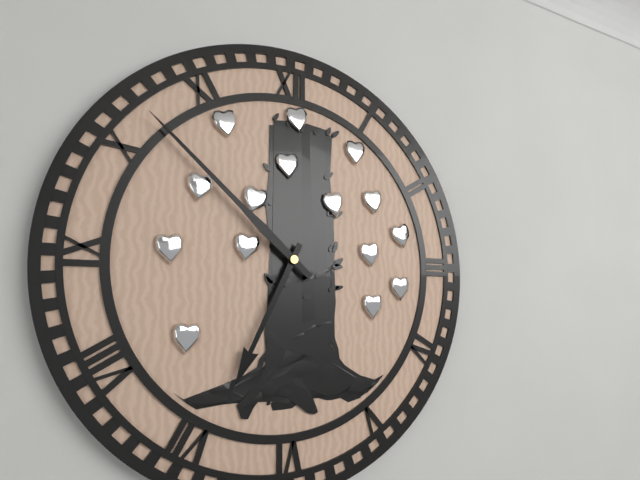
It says 6:52
